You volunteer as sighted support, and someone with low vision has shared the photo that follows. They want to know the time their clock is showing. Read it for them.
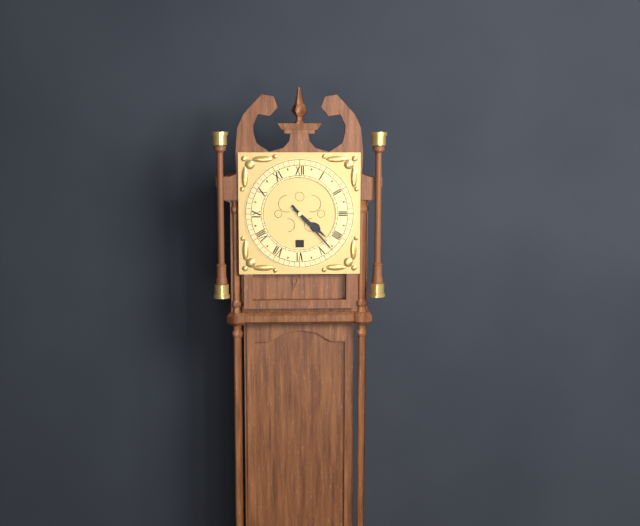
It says 4:23
